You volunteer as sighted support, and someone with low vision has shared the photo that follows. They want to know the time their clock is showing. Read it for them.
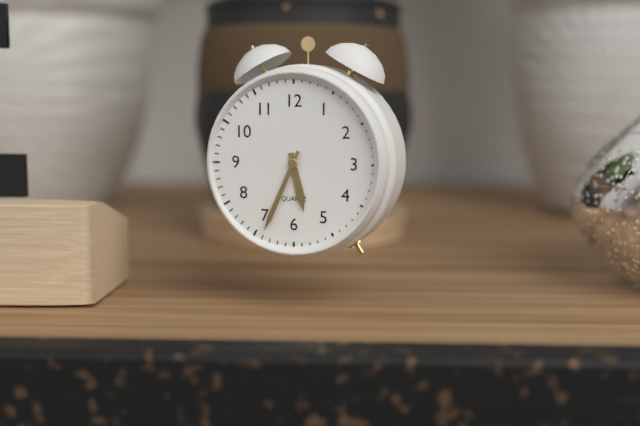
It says 5:34
